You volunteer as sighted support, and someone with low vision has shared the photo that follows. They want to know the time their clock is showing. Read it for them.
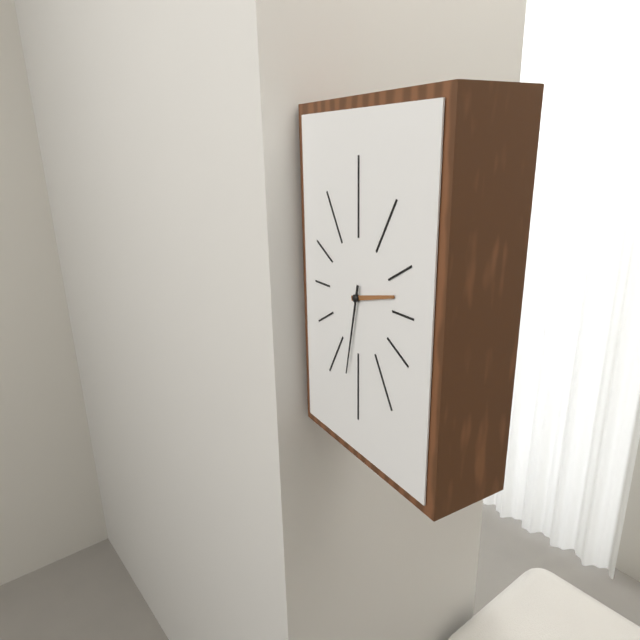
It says 2:32
